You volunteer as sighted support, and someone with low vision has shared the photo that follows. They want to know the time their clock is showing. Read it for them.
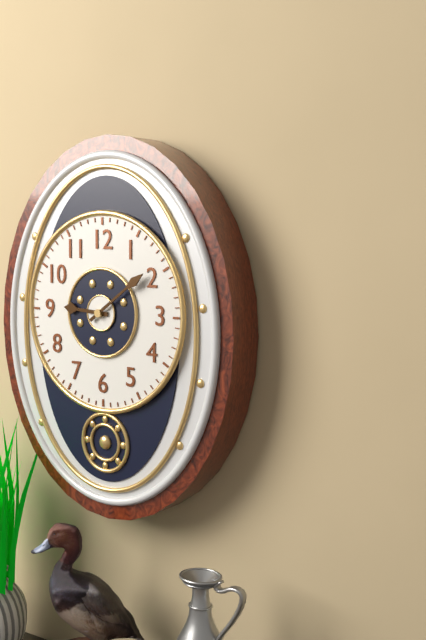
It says 9:09
